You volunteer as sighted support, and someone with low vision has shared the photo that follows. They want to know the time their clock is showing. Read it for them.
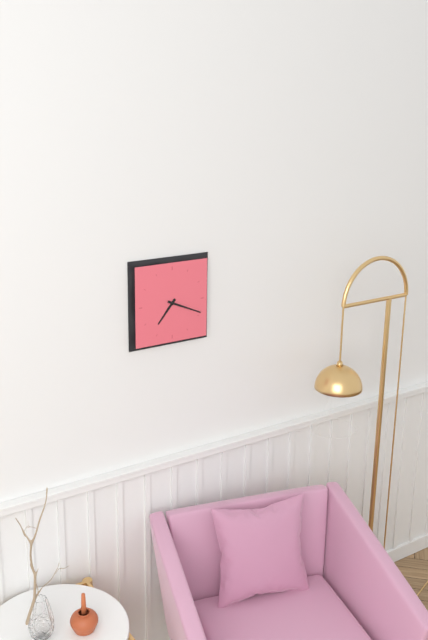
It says 7:19
